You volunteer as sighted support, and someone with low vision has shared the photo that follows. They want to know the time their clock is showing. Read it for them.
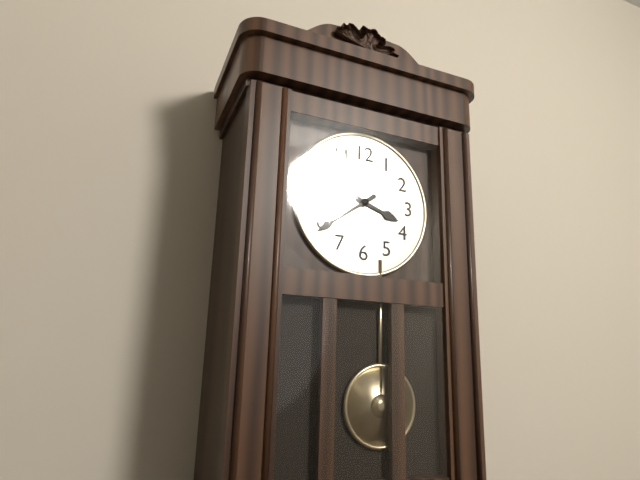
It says 3:39
